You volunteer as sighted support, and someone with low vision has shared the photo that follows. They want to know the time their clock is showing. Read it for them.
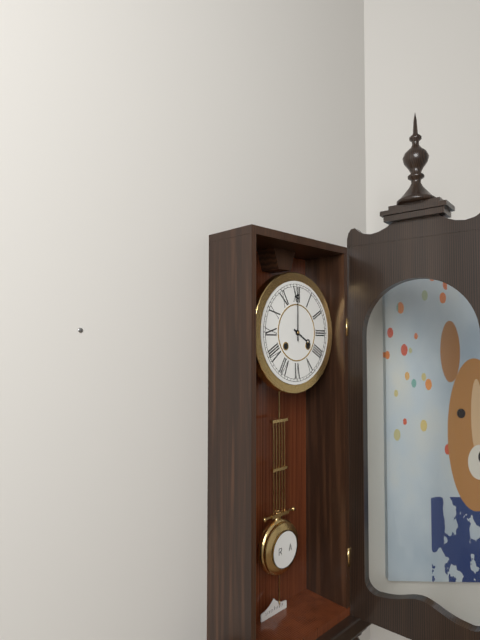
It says 4:00
